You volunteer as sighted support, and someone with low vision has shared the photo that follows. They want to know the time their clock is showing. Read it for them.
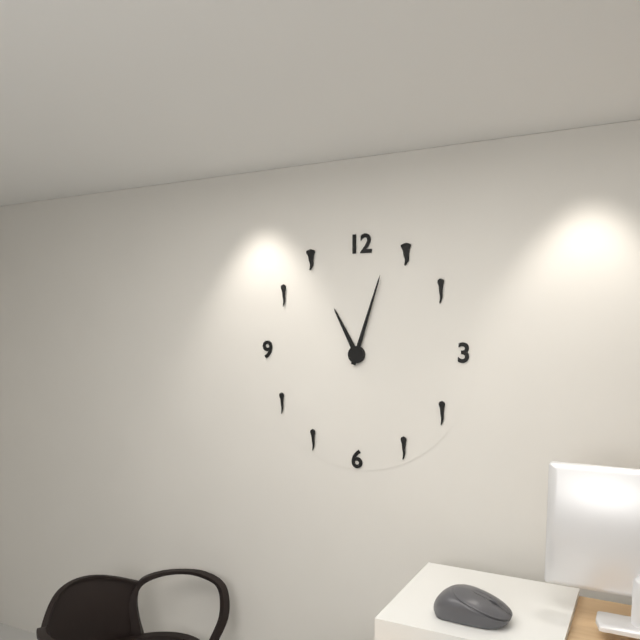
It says 11:03
